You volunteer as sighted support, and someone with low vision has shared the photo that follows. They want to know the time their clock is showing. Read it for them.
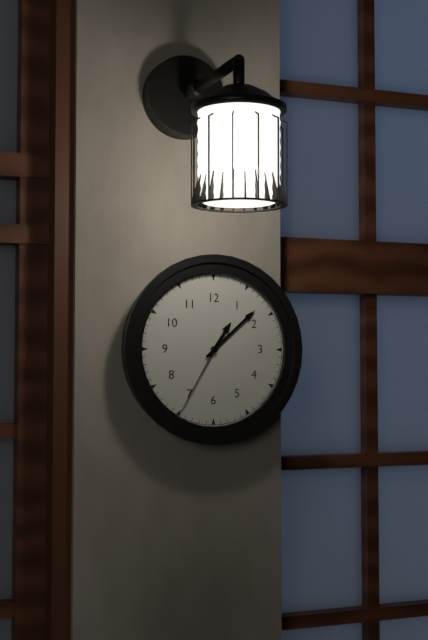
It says 1:08:35
